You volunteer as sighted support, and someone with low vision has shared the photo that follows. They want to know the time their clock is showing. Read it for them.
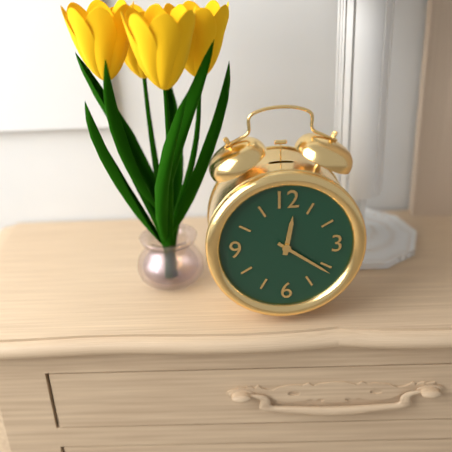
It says 12:21
